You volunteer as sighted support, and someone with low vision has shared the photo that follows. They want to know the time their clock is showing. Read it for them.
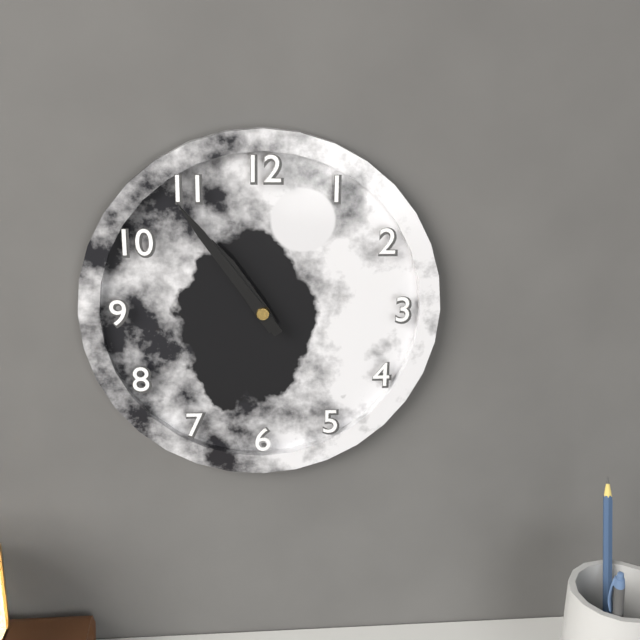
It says 10:54
